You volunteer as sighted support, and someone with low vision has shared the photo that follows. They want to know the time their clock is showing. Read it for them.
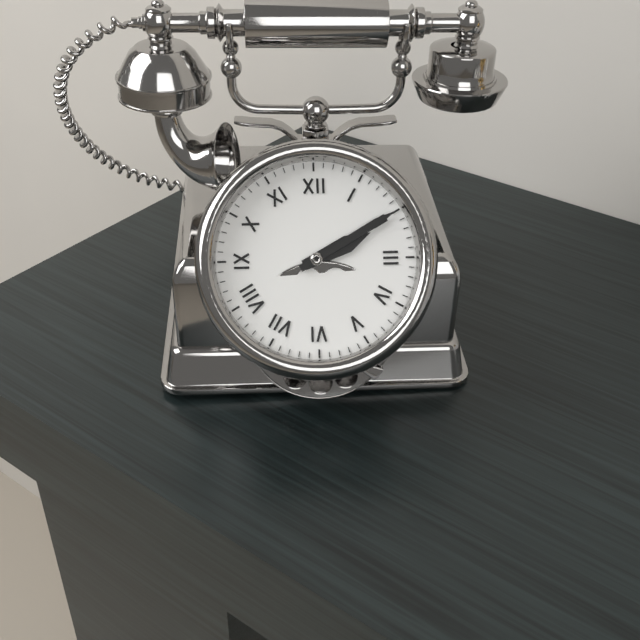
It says 2:10
